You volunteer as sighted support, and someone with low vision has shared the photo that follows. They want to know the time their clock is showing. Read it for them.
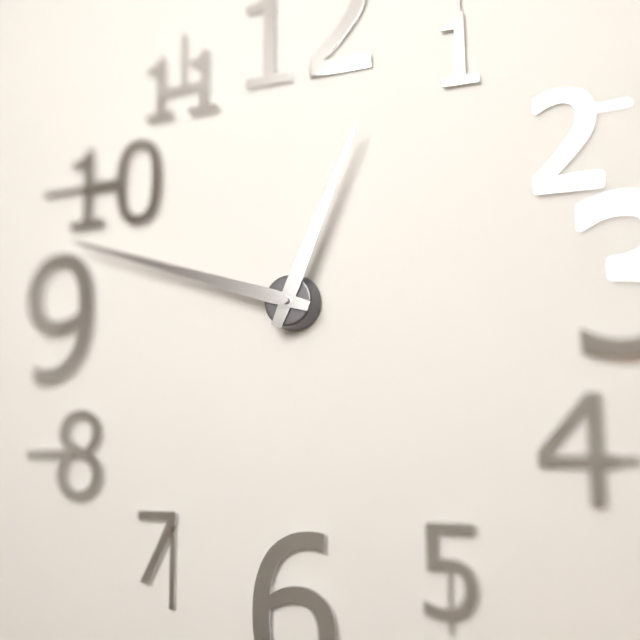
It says 12:48
